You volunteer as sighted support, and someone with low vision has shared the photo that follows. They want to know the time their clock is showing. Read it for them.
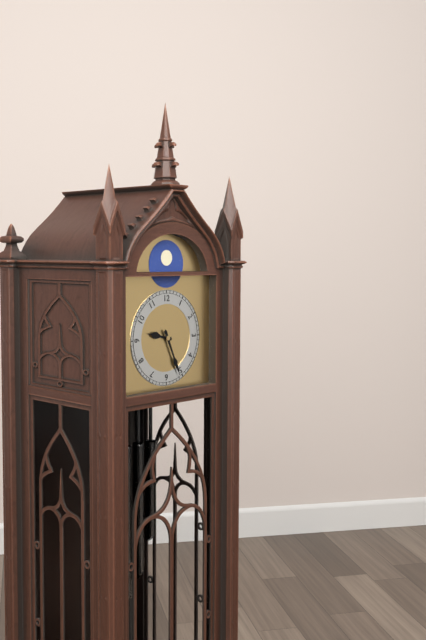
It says 9:26
